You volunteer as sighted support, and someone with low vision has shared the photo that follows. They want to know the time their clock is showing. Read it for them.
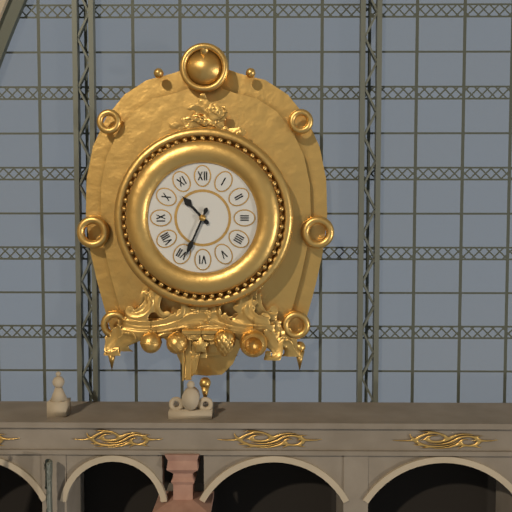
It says 10:34
